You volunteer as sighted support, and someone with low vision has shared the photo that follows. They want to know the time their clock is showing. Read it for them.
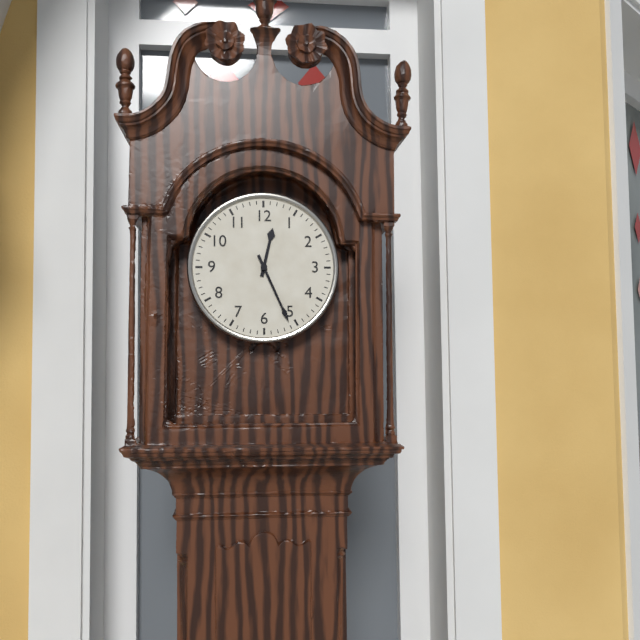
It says 12:26
